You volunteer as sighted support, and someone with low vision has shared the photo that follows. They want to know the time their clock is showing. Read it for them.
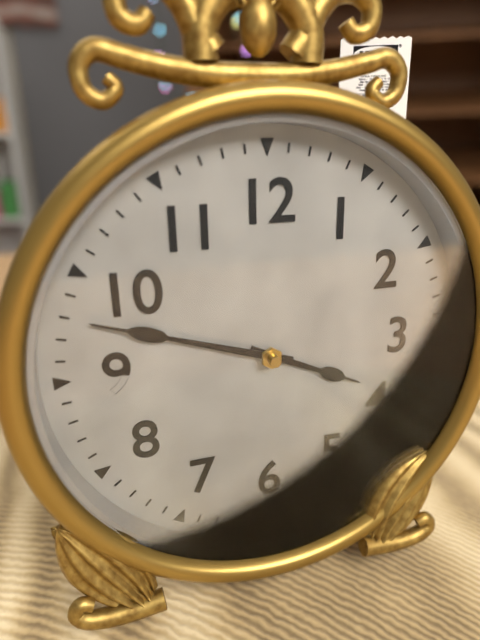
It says 3:48
